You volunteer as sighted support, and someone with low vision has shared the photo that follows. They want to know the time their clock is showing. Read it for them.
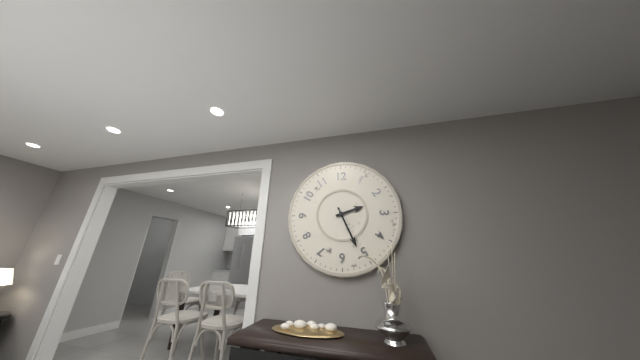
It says 2:26
